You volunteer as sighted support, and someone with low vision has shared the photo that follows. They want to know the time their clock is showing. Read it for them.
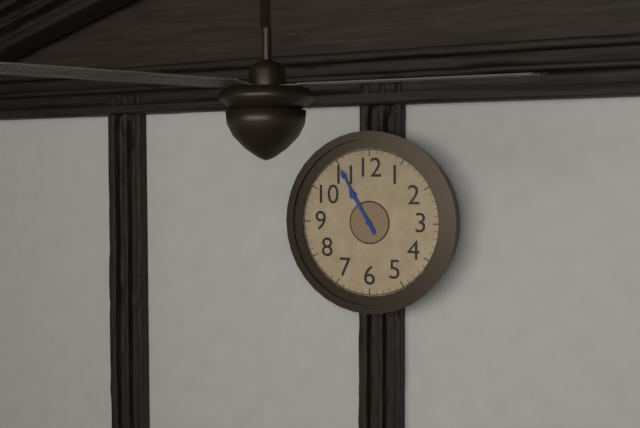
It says 10:55
